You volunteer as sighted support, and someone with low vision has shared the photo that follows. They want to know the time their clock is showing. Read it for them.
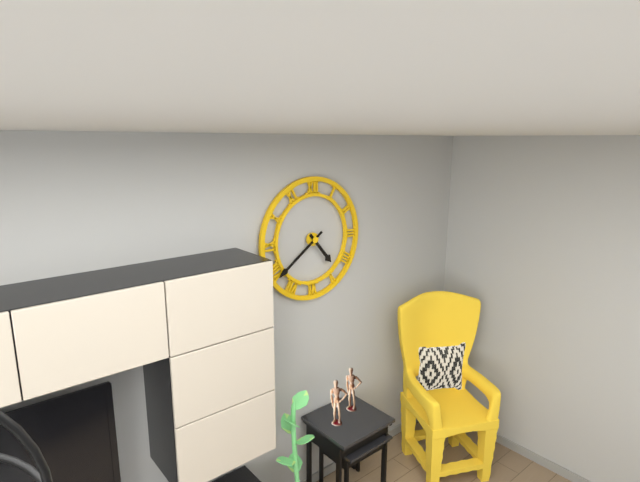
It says 4:39
